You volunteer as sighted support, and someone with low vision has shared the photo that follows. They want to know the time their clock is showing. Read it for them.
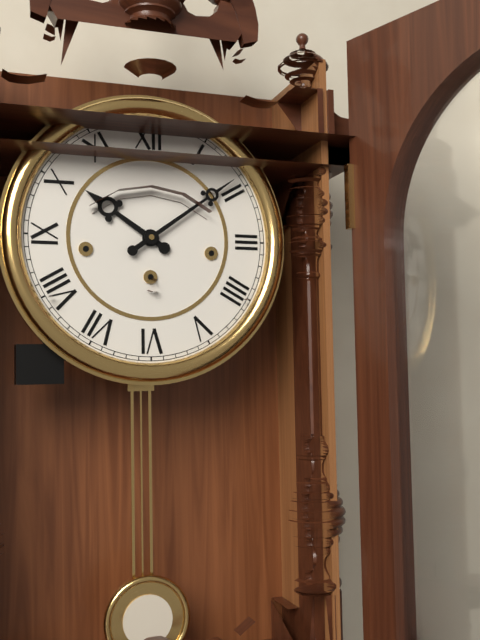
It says 10:09
